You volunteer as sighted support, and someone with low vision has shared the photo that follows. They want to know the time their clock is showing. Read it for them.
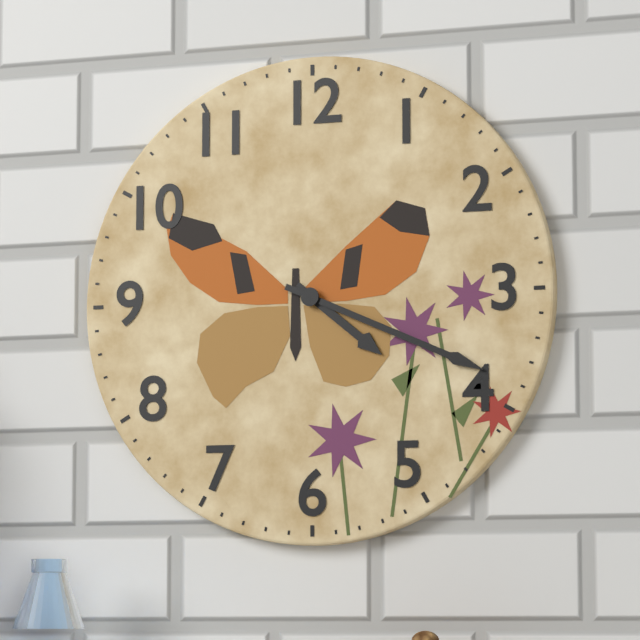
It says 4:19
